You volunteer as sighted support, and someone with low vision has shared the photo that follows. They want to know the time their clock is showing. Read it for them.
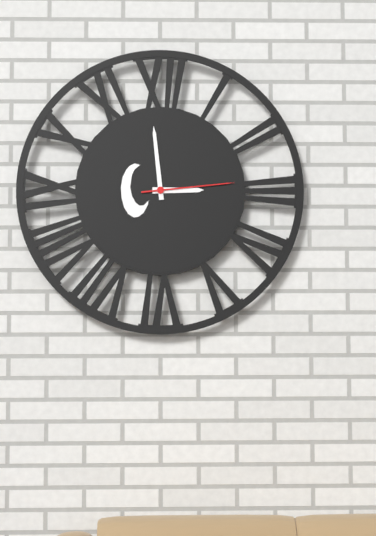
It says 2:59:14
